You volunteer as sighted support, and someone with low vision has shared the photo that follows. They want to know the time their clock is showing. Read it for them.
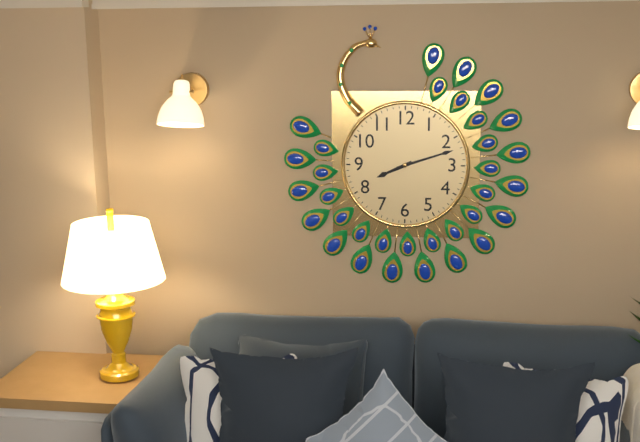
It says 8:12
